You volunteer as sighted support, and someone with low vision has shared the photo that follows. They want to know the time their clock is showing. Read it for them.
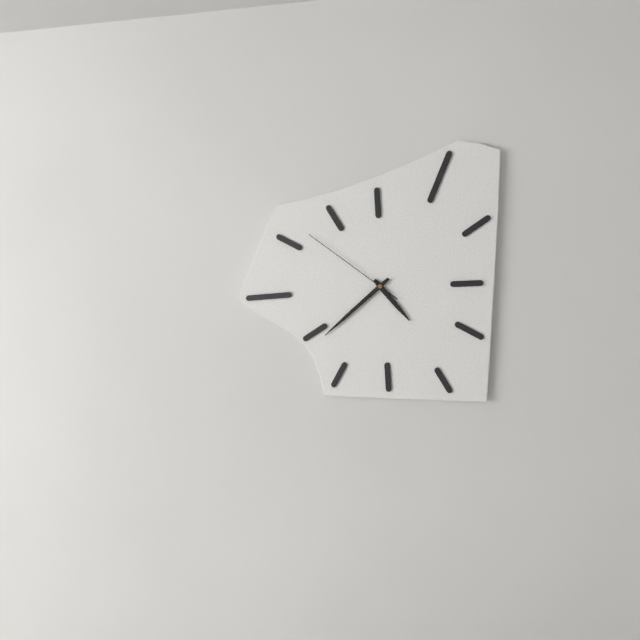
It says 4:38:51
